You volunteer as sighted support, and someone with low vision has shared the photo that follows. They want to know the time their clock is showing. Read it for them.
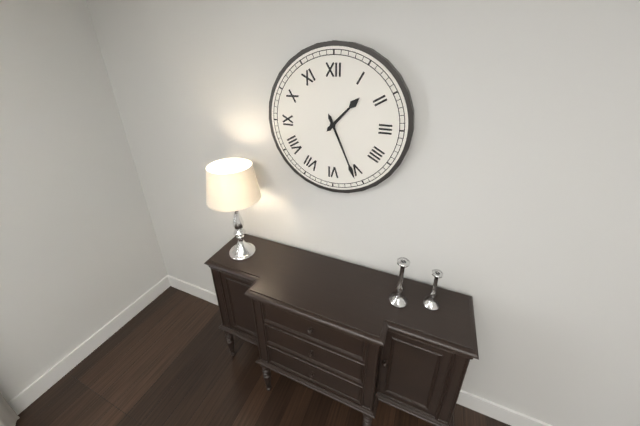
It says 1:26
